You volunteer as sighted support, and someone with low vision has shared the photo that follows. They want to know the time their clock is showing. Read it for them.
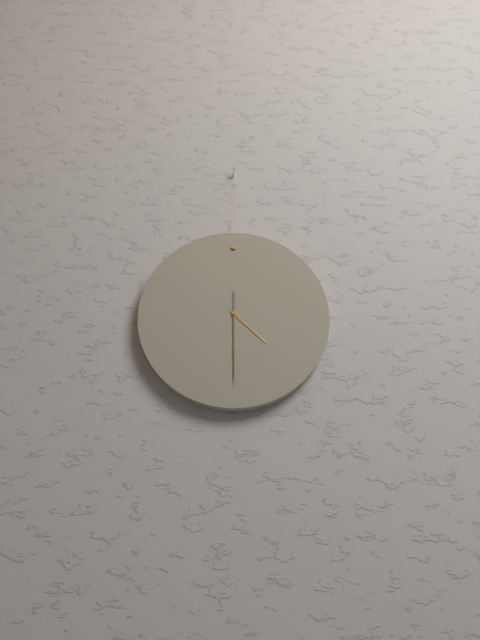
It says 4:30:30
